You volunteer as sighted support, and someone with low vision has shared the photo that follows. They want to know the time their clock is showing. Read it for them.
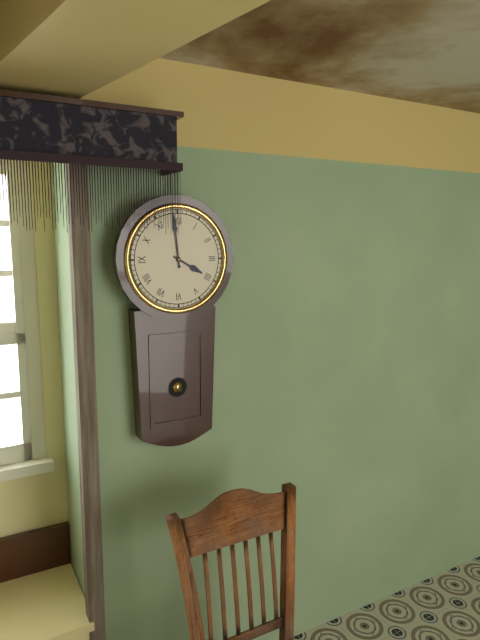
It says 3:59
